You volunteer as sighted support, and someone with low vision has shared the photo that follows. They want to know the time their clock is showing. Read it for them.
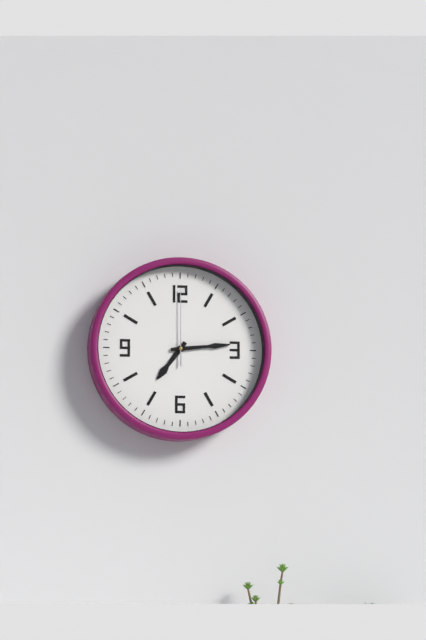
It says 7:14:00
